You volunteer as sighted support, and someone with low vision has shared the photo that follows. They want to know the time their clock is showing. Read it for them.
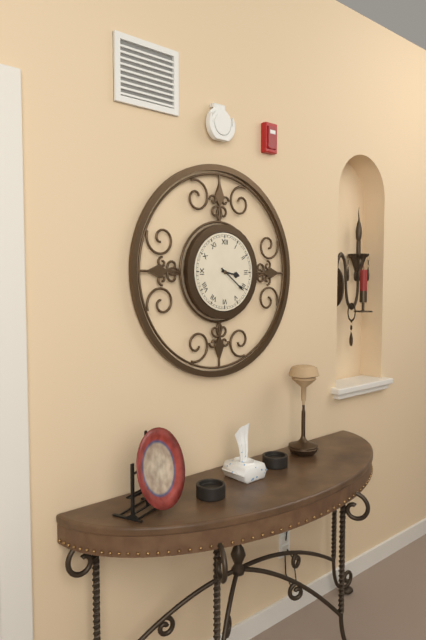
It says 3:21
